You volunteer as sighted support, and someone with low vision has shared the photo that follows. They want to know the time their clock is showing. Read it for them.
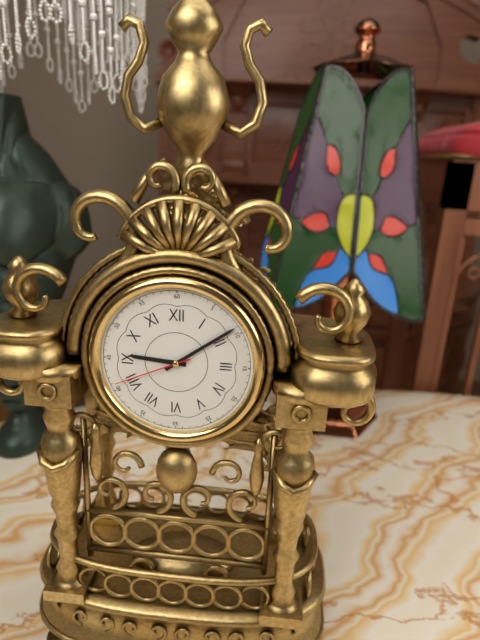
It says 9:09:41
